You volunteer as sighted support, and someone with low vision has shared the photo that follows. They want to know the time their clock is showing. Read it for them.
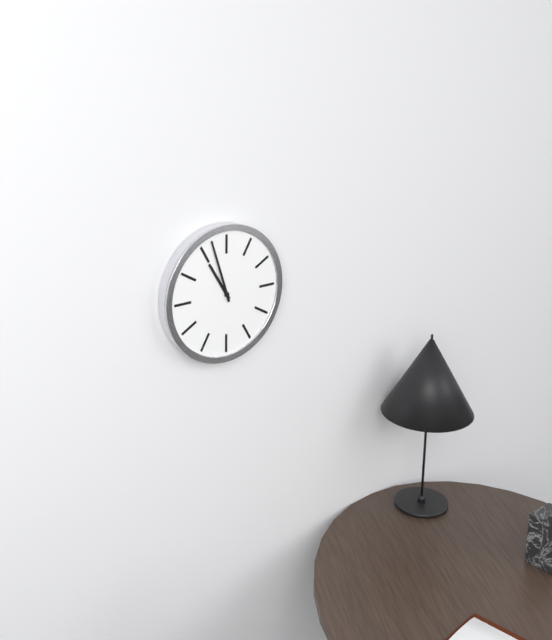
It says 10:57
